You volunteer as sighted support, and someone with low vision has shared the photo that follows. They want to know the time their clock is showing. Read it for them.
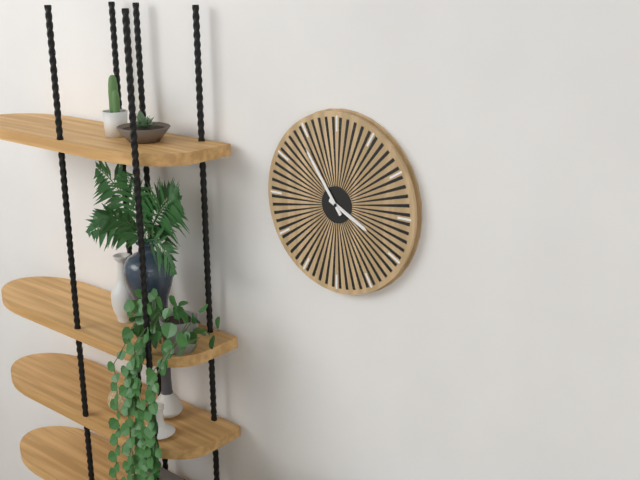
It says 3:54
